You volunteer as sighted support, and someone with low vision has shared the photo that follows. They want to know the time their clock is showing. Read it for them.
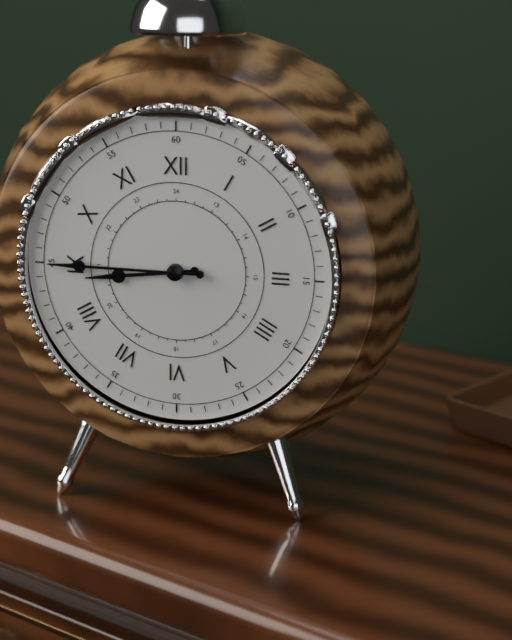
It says 8:45
